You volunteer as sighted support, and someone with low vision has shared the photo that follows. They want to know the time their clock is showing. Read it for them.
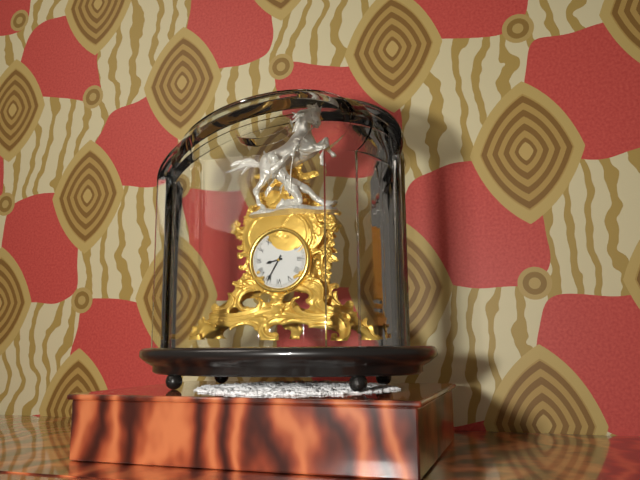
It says 8:35
